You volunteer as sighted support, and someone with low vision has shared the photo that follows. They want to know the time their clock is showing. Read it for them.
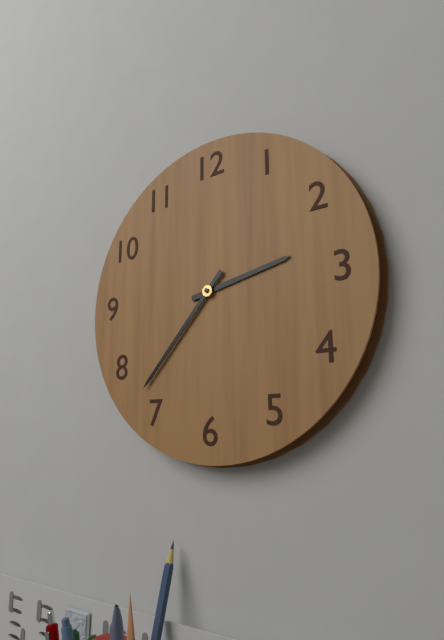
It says 2:37
